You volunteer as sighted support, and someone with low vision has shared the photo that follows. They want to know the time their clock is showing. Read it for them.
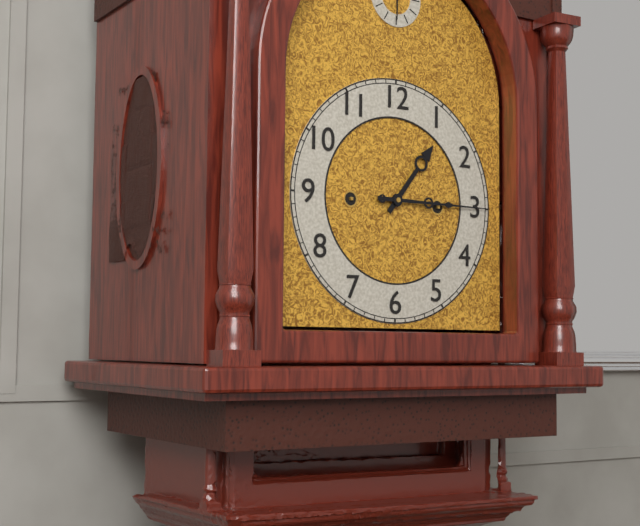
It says 1:15
